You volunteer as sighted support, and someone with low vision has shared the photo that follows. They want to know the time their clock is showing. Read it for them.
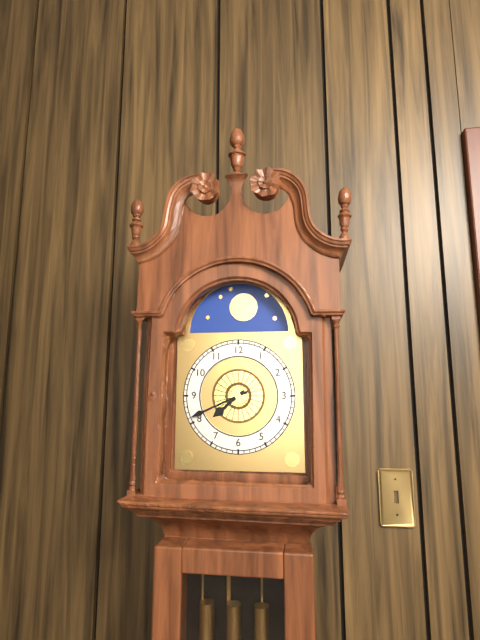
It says 7:41
